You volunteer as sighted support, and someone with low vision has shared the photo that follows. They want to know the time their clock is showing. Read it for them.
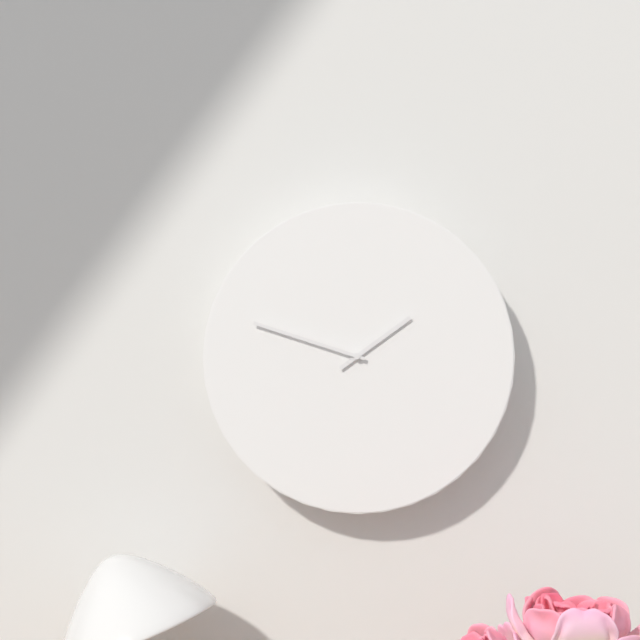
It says 1:48
